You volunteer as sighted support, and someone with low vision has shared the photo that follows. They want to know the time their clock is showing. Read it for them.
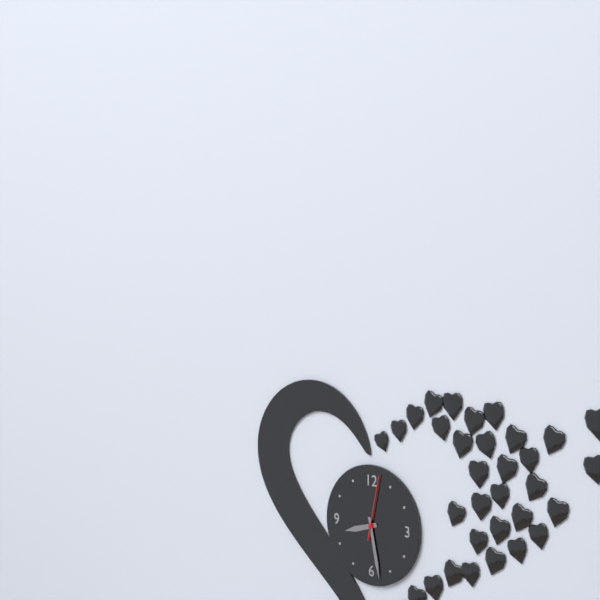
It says 8:28:02
